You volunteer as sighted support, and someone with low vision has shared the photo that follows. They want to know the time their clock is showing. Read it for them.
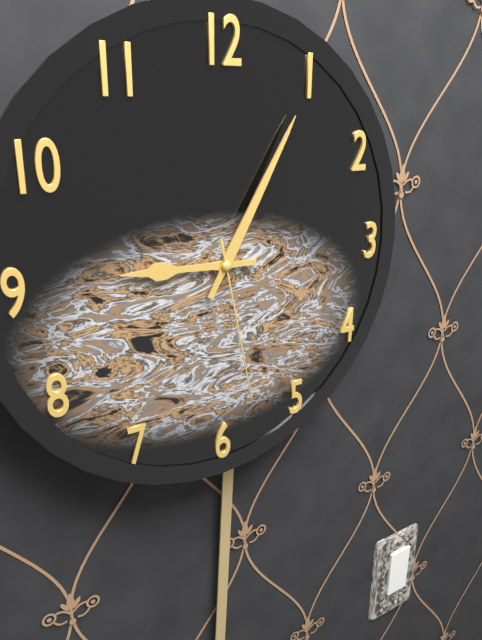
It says 9:05:28
